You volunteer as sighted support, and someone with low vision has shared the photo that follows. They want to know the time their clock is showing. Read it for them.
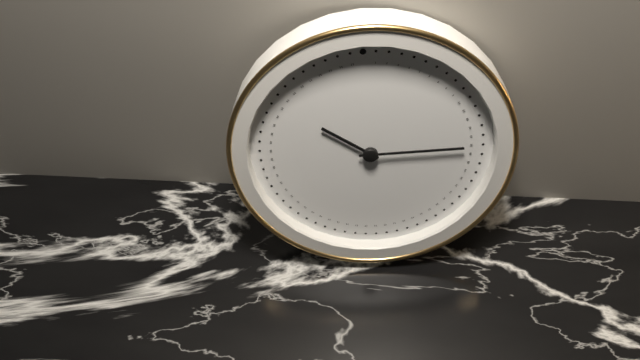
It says 10:15
